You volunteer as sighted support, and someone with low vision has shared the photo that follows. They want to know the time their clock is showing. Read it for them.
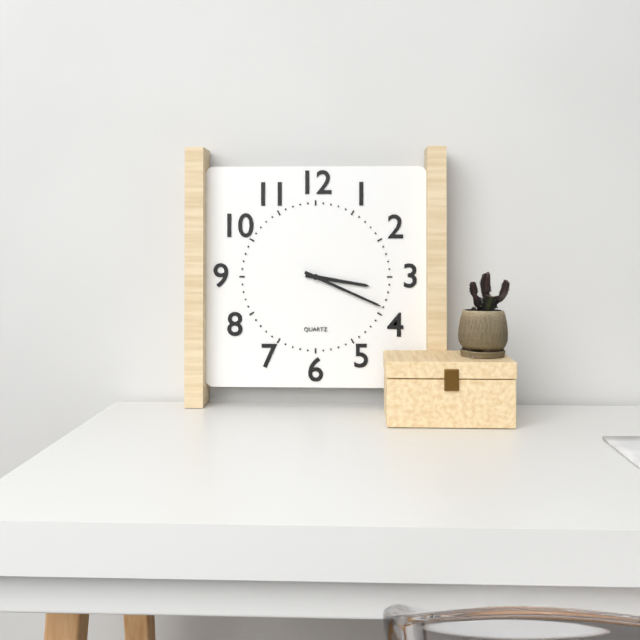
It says 3:19
